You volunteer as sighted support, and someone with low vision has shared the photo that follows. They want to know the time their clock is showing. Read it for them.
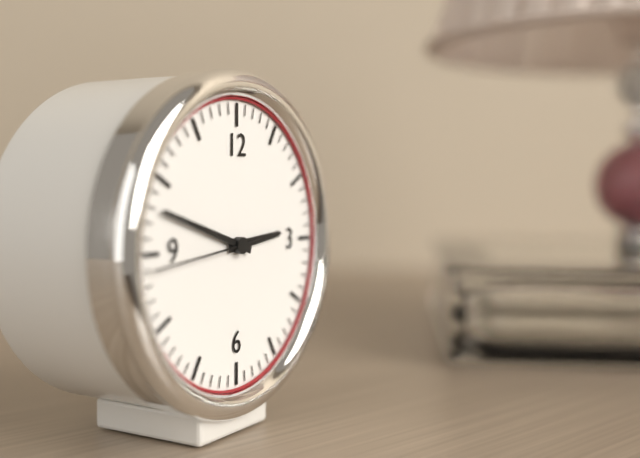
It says 2:48:44
